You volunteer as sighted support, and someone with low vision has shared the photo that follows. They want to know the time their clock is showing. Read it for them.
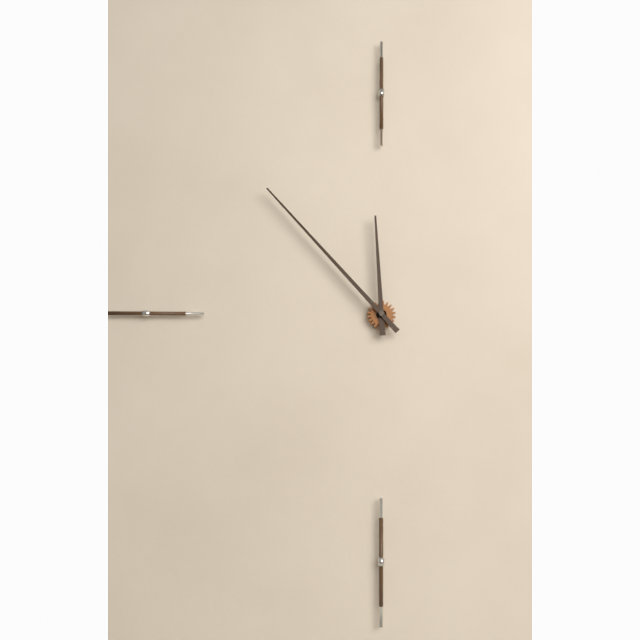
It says 11:53
